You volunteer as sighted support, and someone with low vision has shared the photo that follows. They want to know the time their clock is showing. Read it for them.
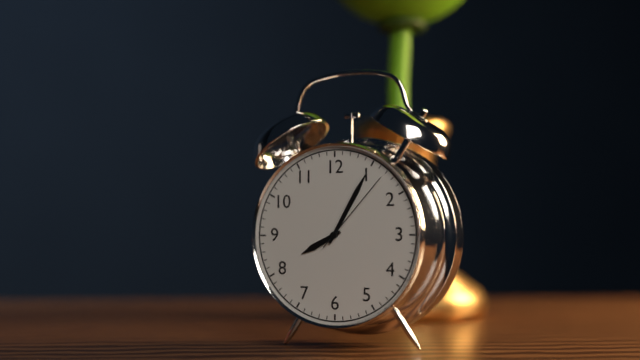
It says 8:05:07
